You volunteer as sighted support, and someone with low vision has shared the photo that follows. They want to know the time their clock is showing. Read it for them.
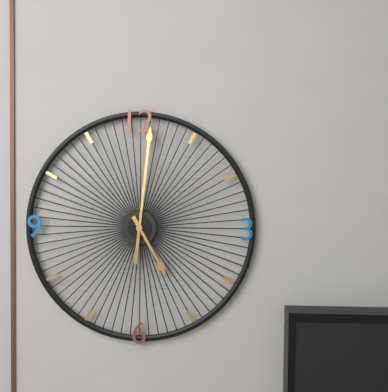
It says 5:01
